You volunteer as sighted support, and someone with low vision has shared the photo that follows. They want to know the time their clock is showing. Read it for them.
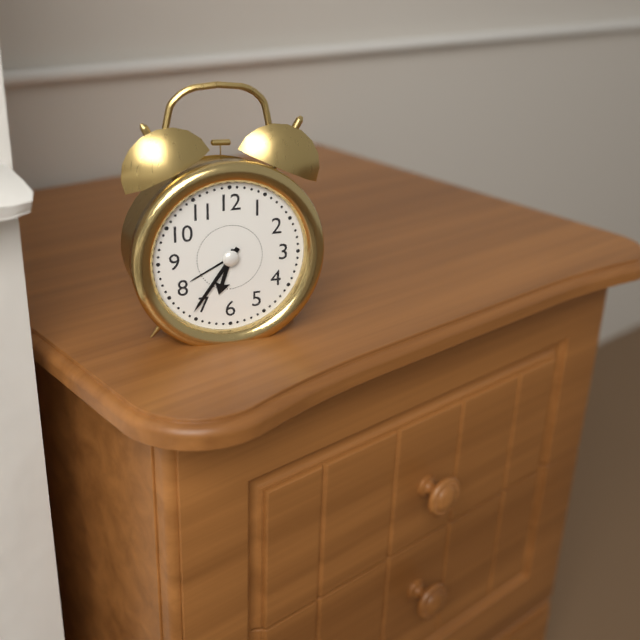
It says 6:36
